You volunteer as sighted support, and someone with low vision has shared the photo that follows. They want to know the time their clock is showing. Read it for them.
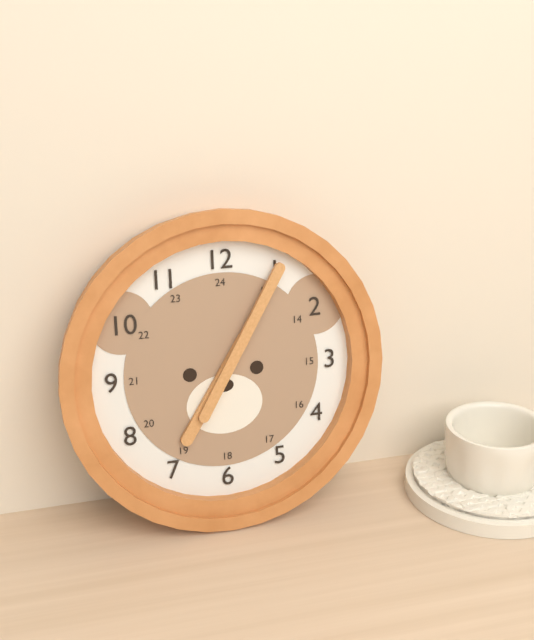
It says 7:05
